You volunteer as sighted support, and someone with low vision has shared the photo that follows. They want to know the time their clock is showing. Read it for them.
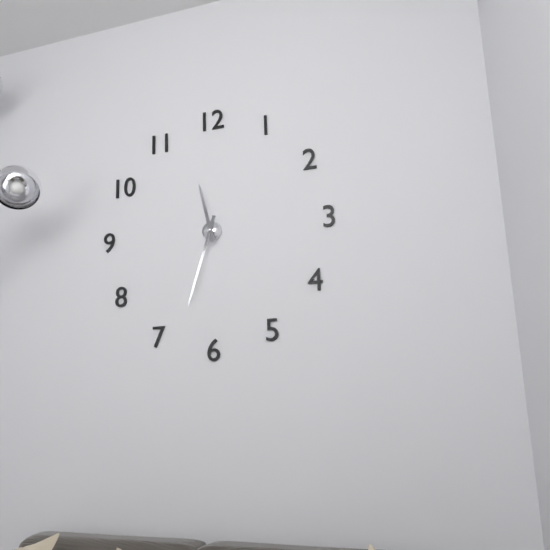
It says 11:33
